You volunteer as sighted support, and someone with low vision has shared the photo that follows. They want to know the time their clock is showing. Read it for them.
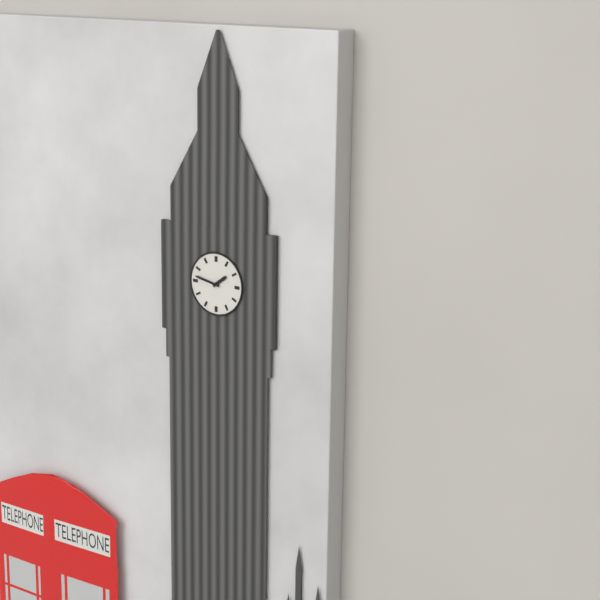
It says 1:47
